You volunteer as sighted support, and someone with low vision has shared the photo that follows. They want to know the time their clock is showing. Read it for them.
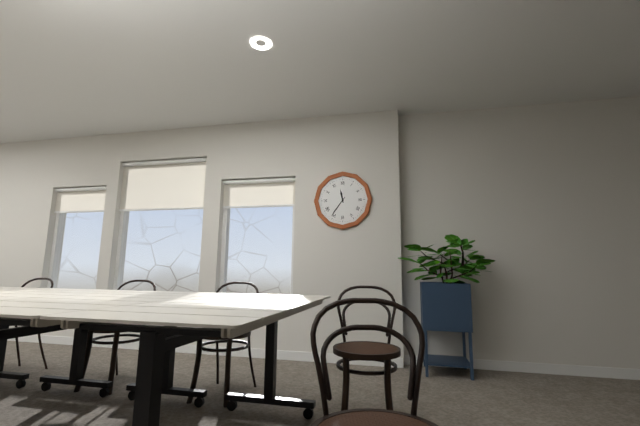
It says 11:36
